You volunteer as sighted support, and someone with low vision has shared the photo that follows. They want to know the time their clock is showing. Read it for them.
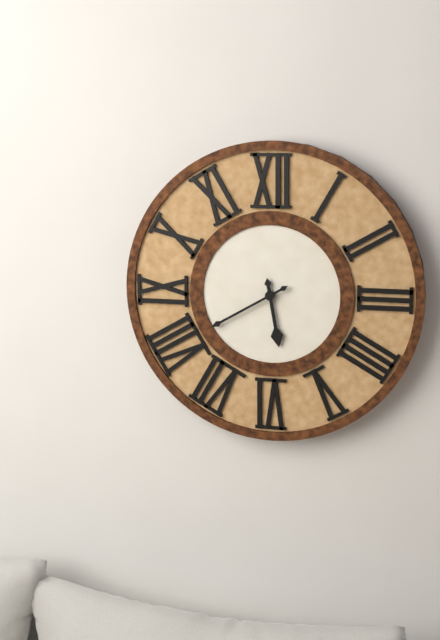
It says 5:40
